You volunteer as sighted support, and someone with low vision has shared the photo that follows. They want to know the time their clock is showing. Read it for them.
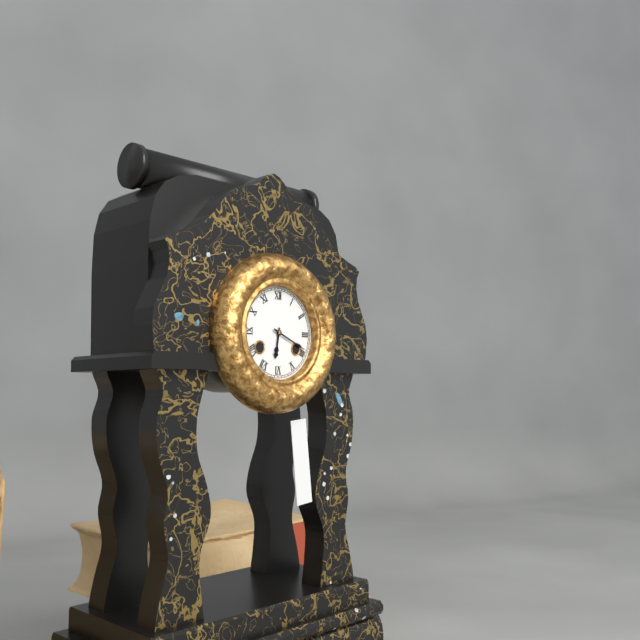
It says 6:19
